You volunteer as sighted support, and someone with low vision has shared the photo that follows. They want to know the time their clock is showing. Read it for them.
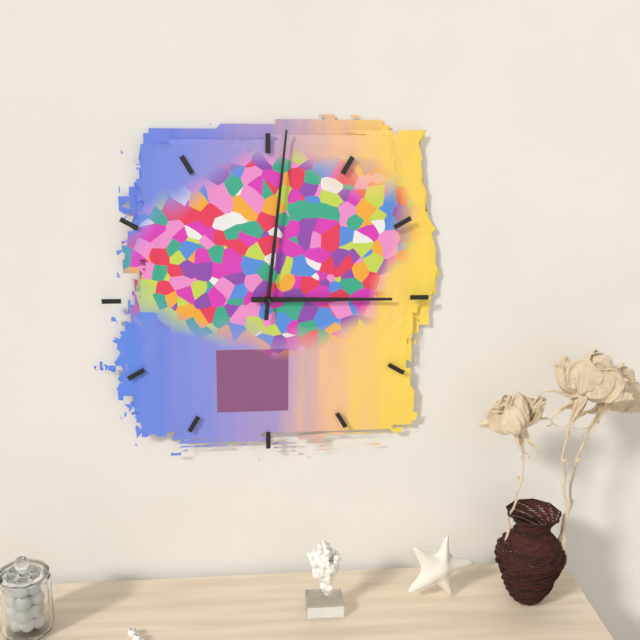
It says 3:01
